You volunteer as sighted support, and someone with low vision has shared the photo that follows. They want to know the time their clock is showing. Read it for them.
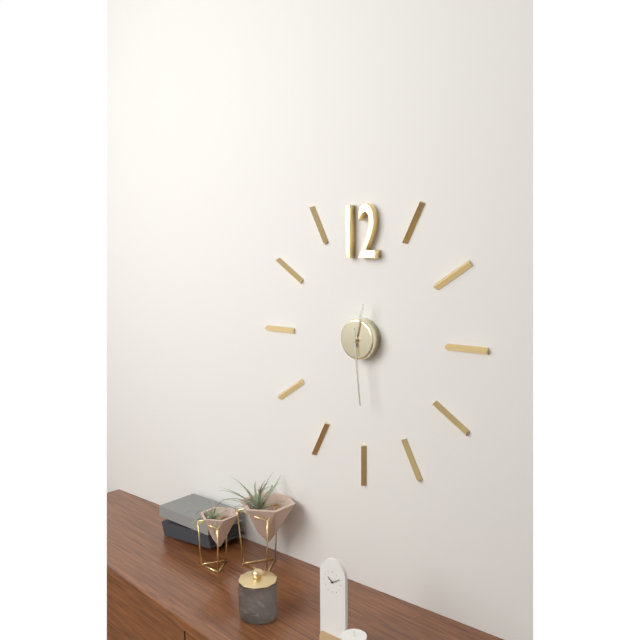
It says 12:29
